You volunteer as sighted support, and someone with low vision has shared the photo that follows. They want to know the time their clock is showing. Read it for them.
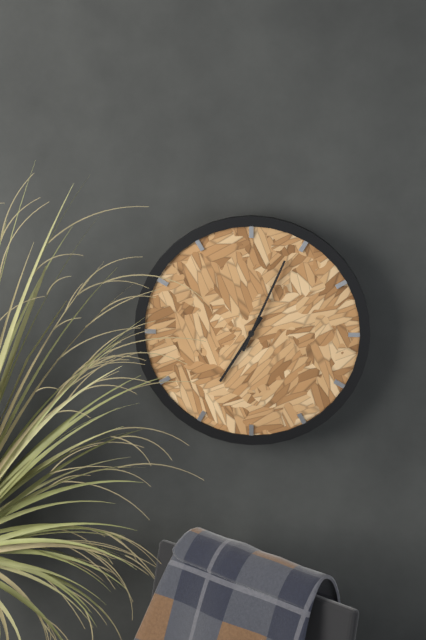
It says 7:04
